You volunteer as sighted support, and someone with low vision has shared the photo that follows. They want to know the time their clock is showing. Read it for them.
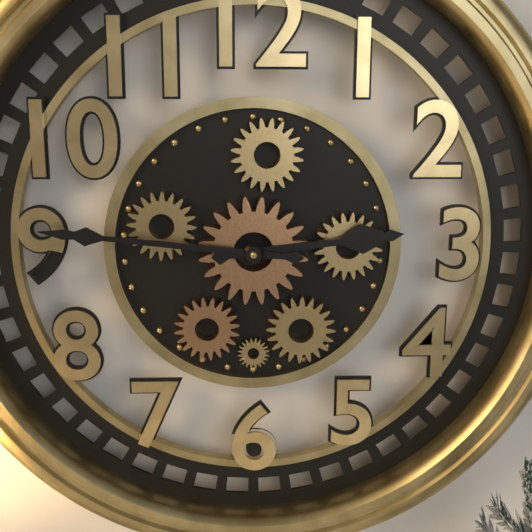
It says 2:46
